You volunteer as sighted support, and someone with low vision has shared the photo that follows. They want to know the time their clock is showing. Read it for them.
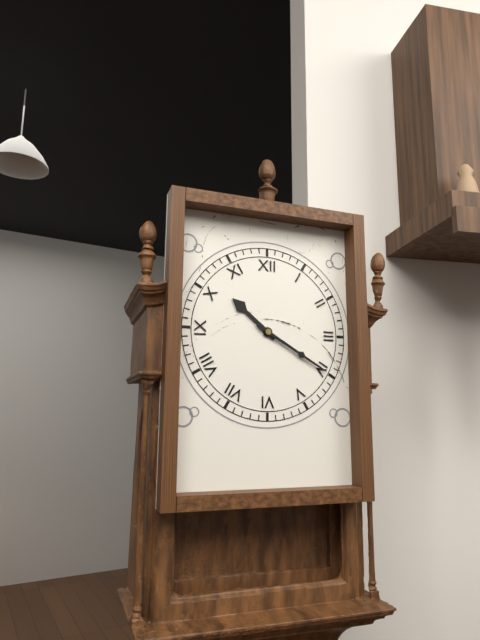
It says 10:20
